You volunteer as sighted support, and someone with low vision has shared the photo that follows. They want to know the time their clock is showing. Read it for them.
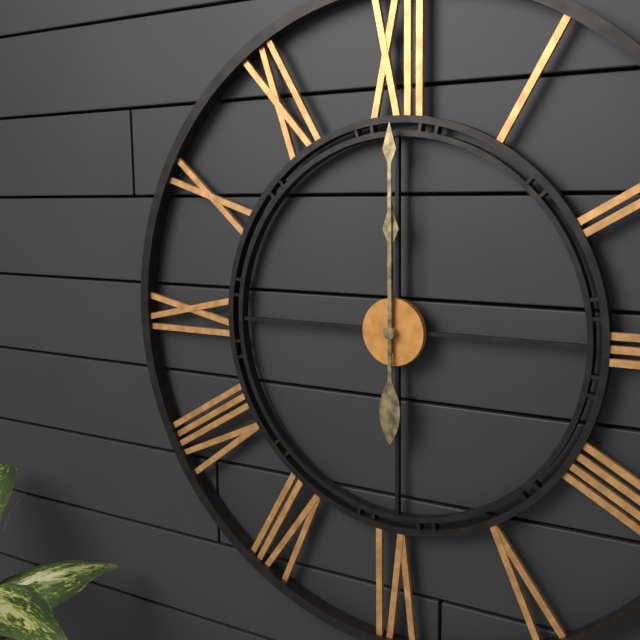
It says 12:00
